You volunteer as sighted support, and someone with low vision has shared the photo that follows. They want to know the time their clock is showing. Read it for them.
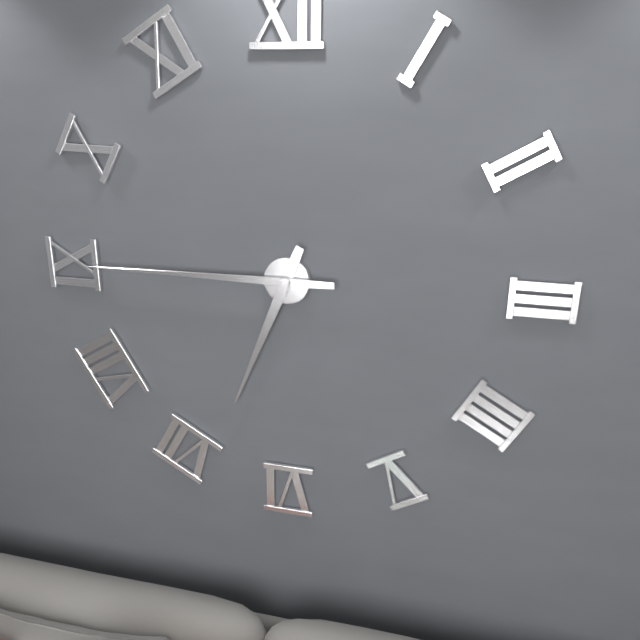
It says 6:45
